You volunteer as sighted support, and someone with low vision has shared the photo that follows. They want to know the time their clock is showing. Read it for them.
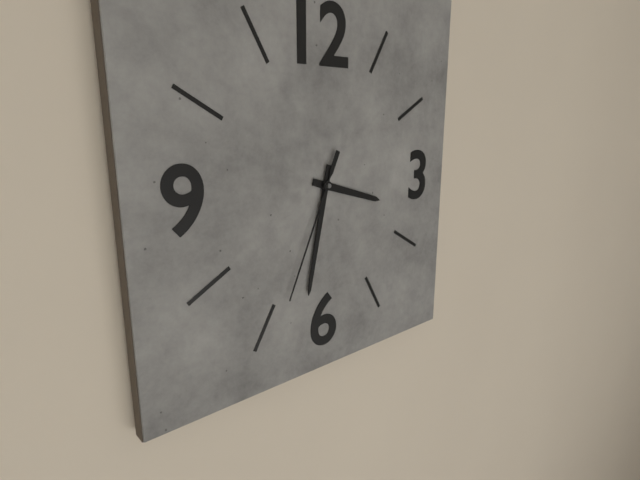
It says 3:32:34
